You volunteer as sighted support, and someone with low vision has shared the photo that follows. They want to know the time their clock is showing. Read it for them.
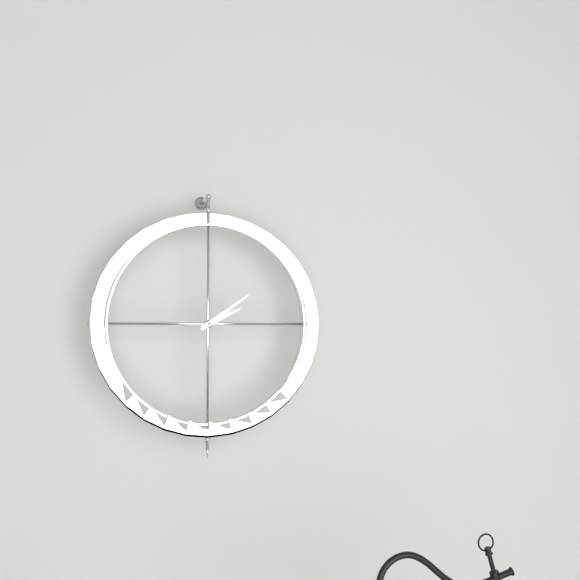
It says 2:09
